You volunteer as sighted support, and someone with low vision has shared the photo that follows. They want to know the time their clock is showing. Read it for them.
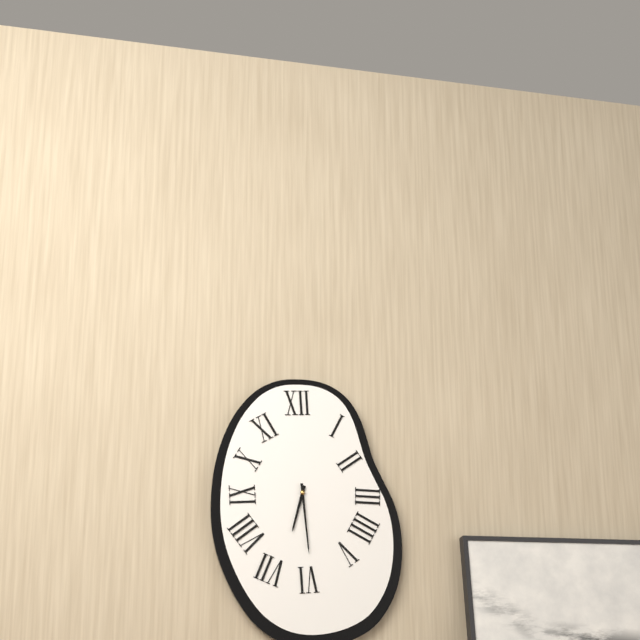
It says 6:29
